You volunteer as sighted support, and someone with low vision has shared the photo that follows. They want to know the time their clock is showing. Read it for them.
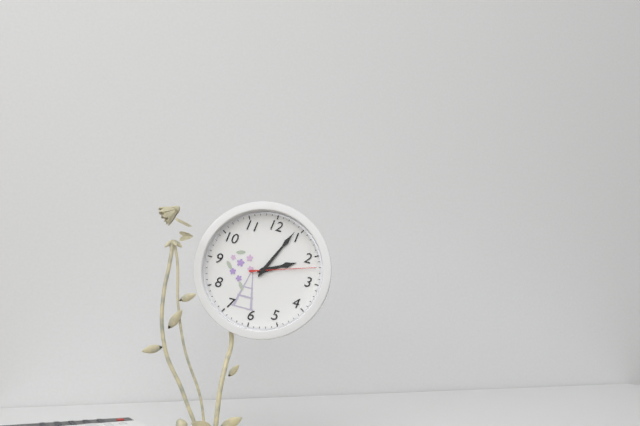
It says 2:04:12
